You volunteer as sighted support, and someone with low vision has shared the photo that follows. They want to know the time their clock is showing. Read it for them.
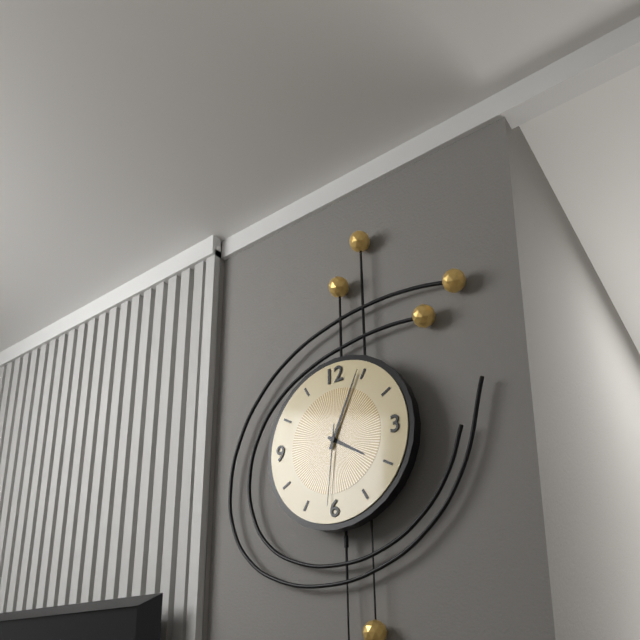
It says 4:04:31
